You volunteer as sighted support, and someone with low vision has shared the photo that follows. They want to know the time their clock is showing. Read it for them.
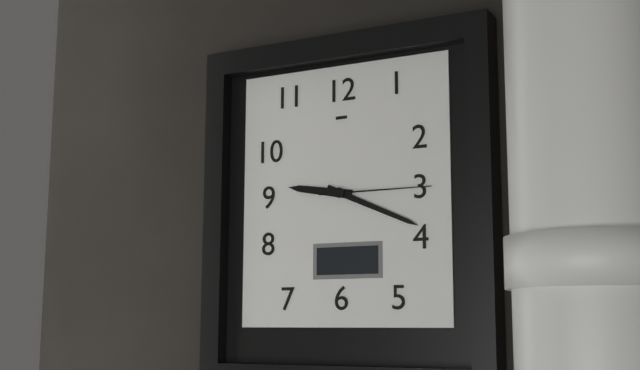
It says 9:19:15
